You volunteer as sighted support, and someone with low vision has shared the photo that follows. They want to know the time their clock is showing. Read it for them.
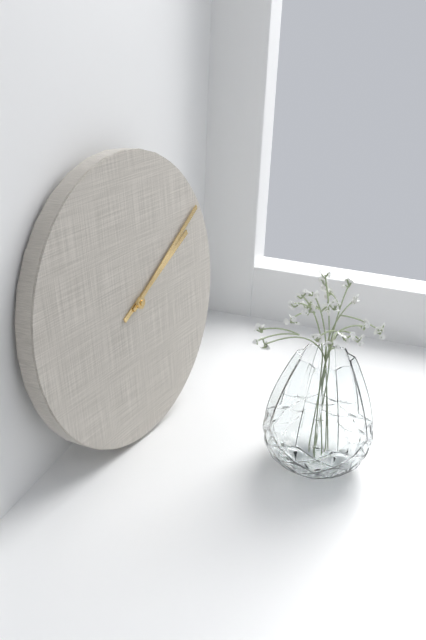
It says 2:10
